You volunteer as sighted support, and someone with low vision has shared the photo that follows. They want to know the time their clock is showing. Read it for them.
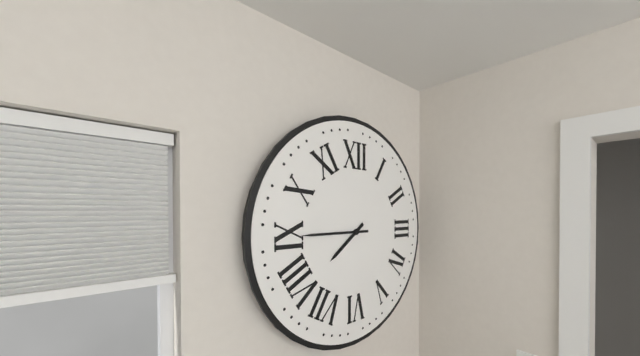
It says 7:45
